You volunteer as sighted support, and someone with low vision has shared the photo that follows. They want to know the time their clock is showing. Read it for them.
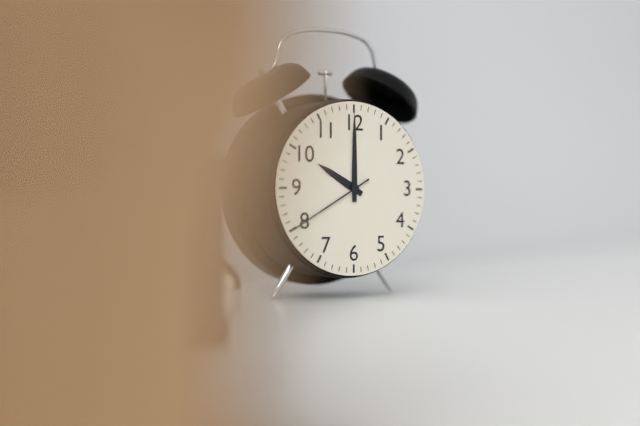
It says 10:00:40
